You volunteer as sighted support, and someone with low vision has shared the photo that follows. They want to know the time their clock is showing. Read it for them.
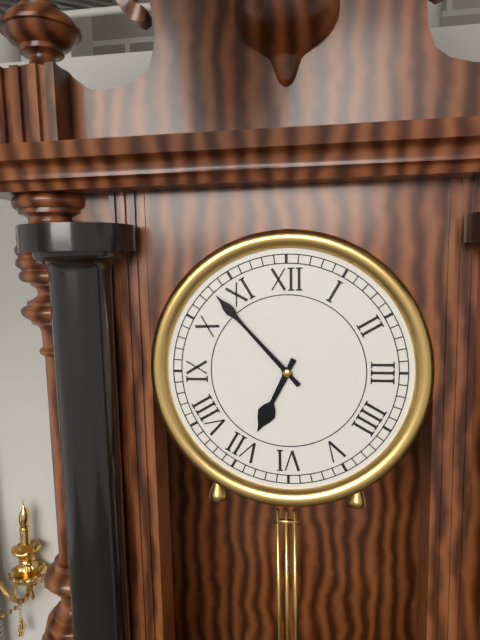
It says 6:53
